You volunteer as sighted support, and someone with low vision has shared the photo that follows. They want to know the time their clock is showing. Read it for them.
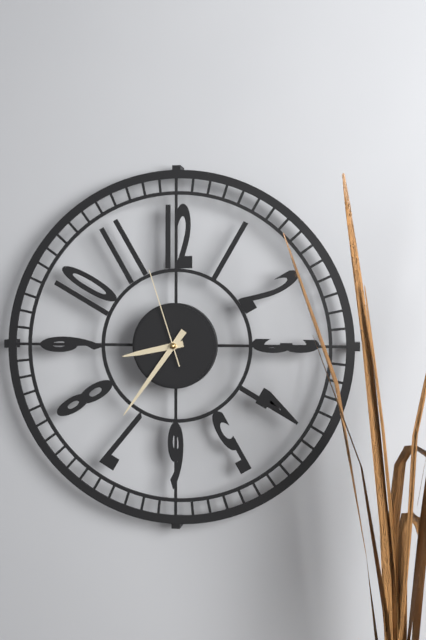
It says 8:36:57
